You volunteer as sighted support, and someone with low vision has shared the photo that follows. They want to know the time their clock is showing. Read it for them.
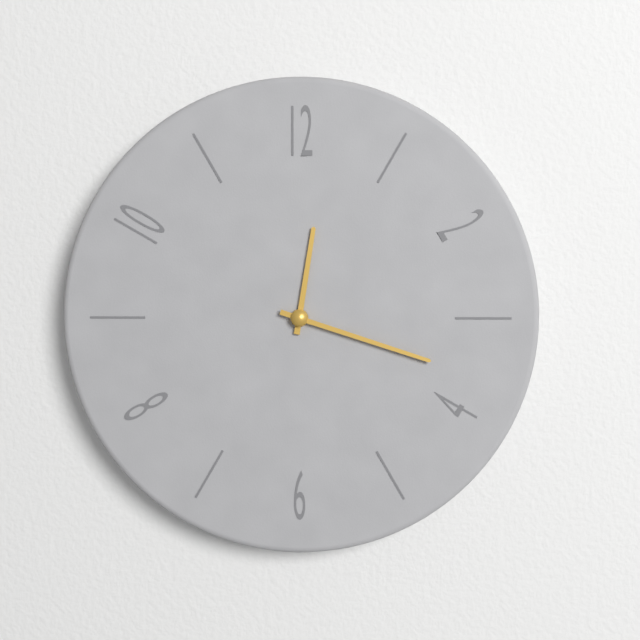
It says 12:18
